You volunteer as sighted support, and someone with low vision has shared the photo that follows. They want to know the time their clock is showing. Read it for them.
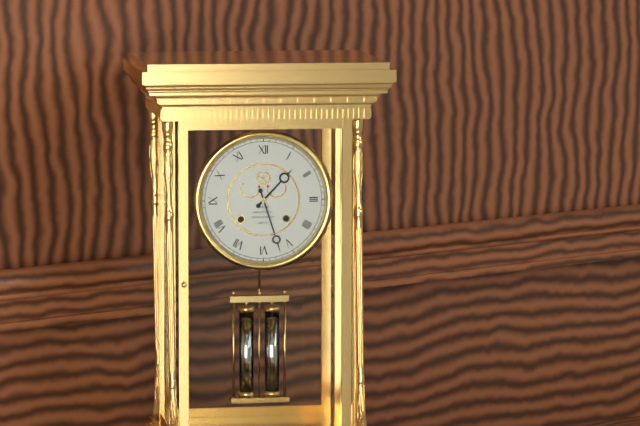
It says 1:27
